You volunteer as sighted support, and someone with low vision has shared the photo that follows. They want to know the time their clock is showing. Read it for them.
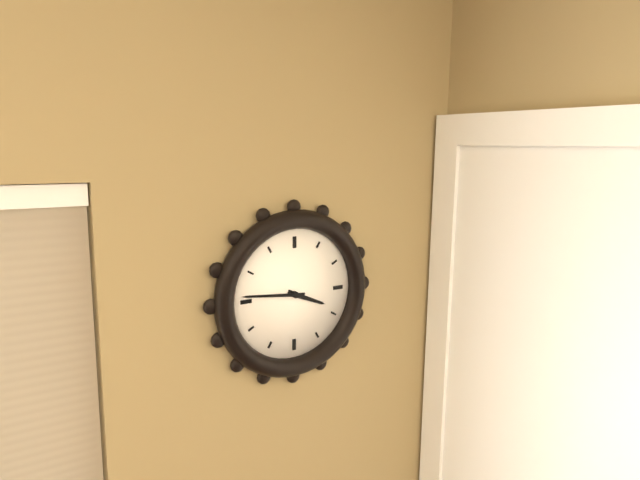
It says 3:46
